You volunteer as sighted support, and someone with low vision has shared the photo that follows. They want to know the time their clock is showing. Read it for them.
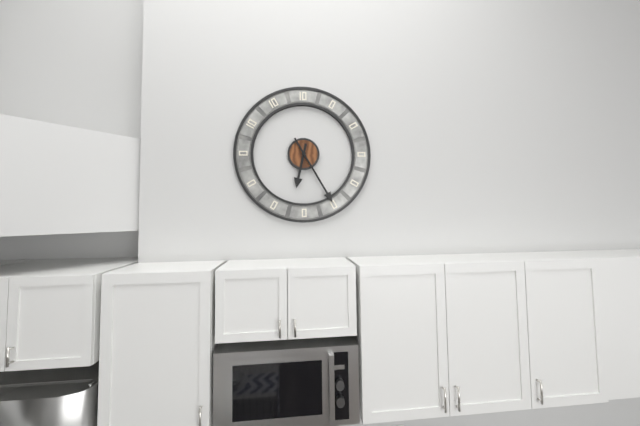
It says 6:25
